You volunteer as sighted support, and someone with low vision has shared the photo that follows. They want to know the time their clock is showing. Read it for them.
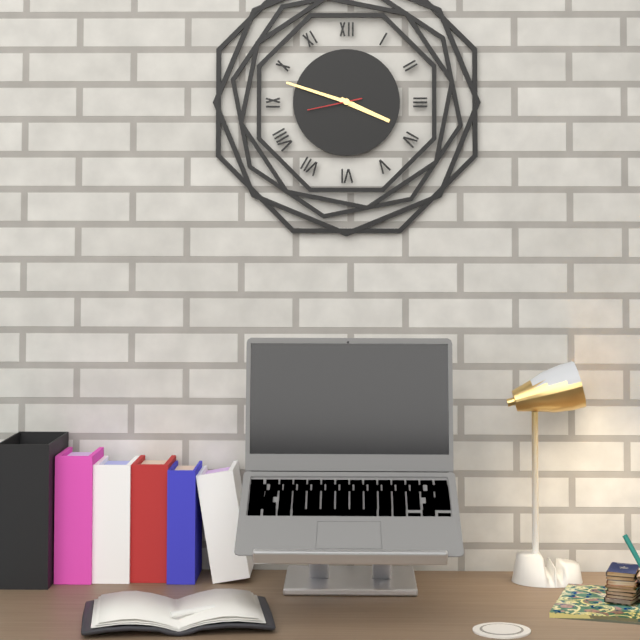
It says 3:48:43
